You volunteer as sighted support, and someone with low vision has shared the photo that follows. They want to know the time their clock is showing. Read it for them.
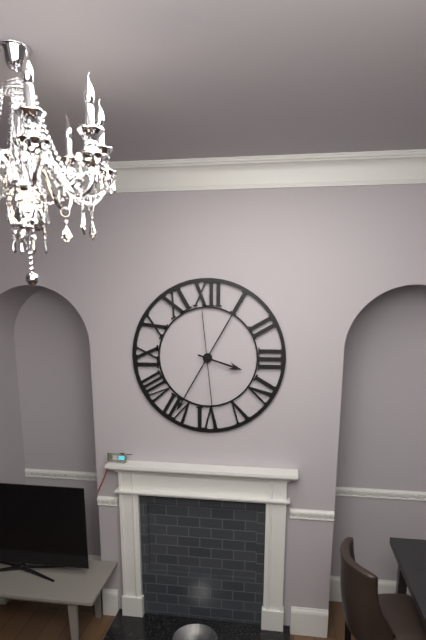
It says 3:35:29
